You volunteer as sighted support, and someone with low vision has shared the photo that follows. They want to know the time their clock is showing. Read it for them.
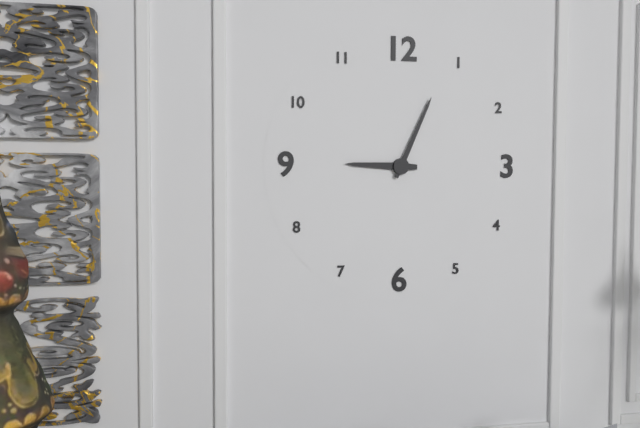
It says 9:04
